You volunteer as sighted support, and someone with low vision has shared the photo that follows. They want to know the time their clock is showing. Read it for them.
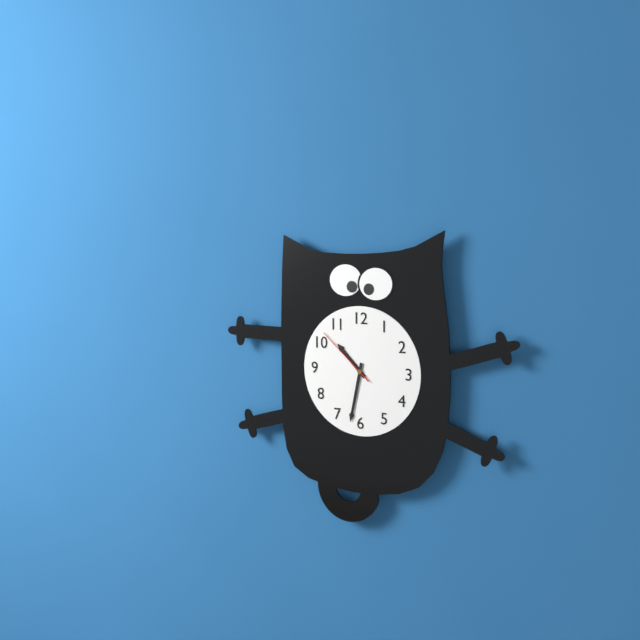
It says 10:32:52
